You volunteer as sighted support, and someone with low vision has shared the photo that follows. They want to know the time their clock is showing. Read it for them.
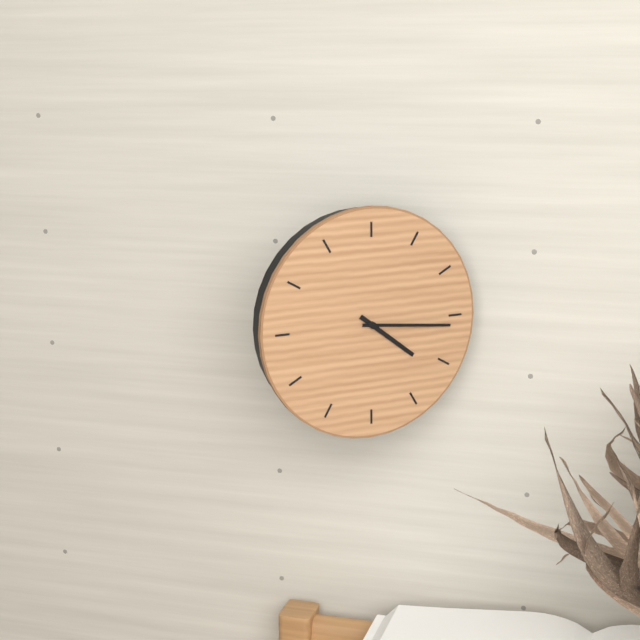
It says 4:16
